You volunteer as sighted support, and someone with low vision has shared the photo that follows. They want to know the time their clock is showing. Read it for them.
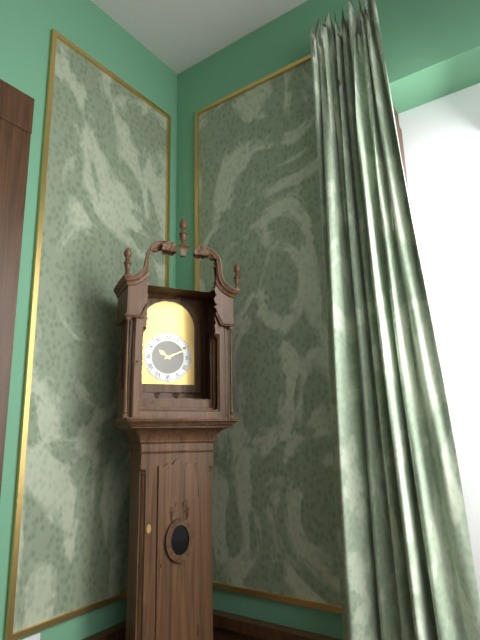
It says 10:11
